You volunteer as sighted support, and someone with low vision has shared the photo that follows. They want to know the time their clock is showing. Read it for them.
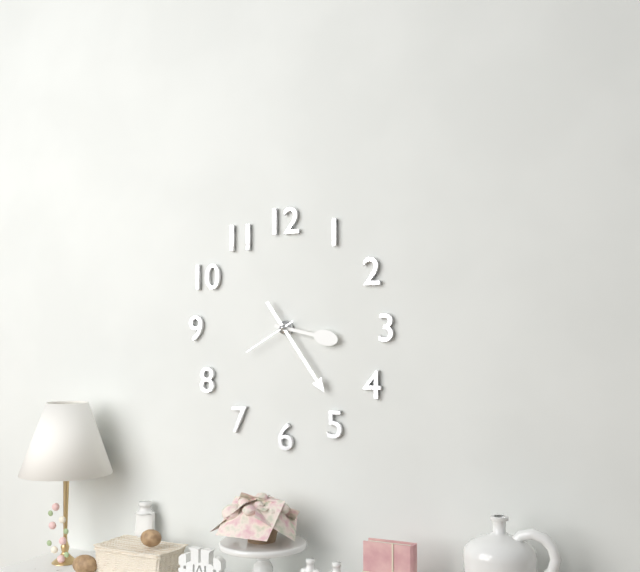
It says 3:24:40
